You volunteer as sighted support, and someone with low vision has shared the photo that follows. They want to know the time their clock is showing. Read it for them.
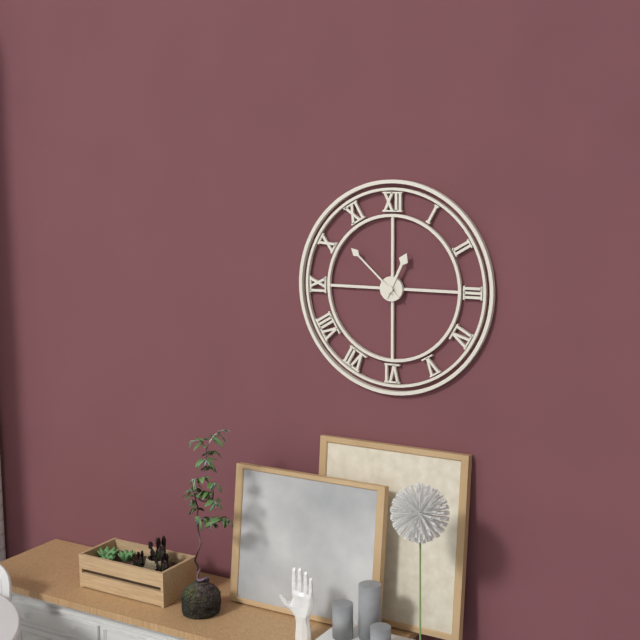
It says 12:52
